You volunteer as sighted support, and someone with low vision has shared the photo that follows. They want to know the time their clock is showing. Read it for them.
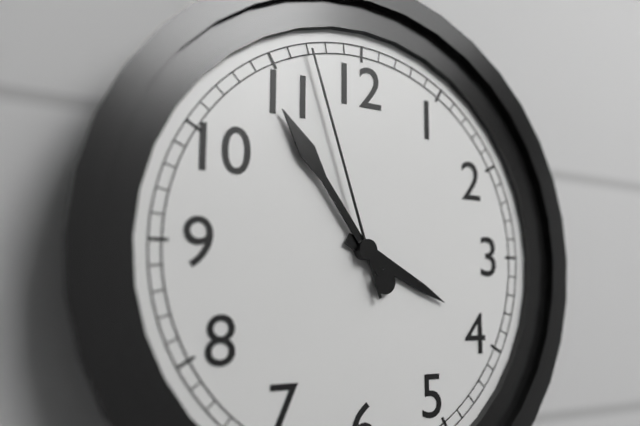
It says 3:54:57
